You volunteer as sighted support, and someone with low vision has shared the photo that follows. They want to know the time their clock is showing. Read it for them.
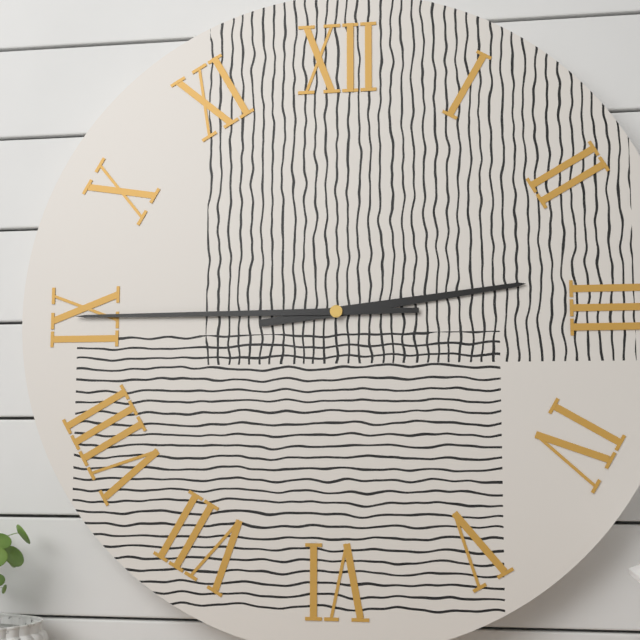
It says 2:45
